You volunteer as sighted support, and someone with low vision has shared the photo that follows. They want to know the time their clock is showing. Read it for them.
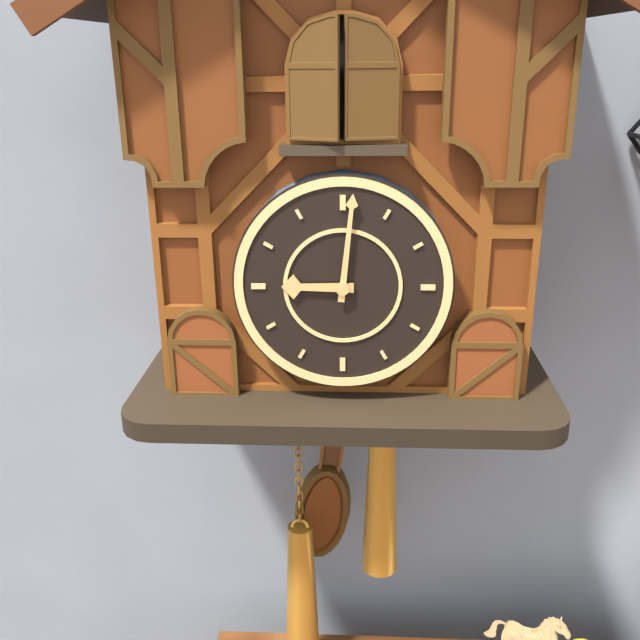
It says 9:01
